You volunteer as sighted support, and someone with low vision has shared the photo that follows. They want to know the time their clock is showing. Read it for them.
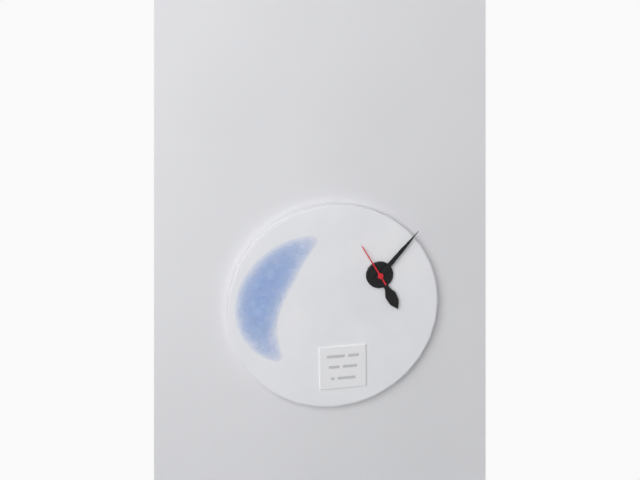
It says 5:07
